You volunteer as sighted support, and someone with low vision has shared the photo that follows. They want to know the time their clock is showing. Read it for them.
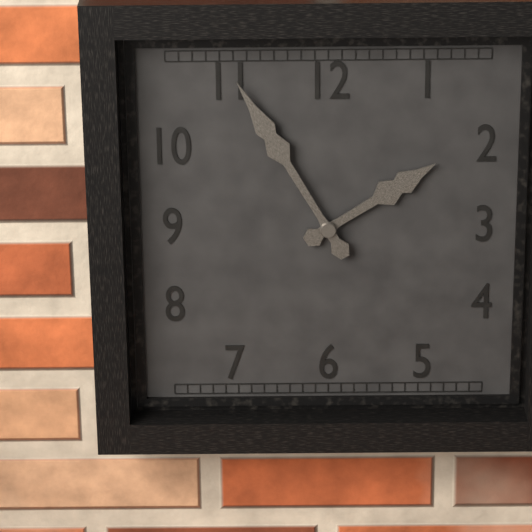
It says 1:55
